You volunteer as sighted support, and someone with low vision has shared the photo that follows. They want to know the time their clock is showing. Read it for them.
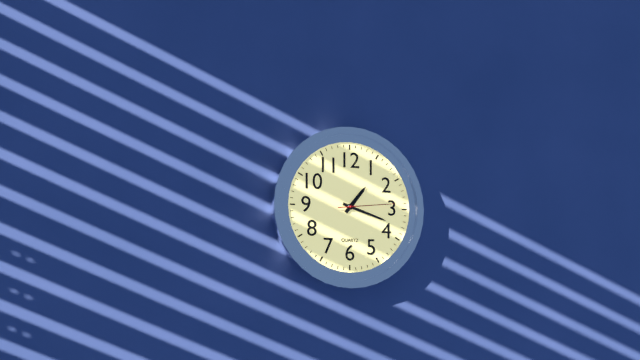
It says 1:18:14
